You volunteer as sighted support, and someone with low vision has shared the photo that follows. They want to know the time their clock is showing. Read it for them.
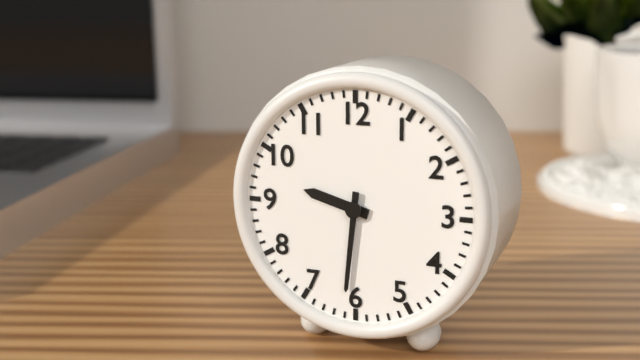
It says 9:31
